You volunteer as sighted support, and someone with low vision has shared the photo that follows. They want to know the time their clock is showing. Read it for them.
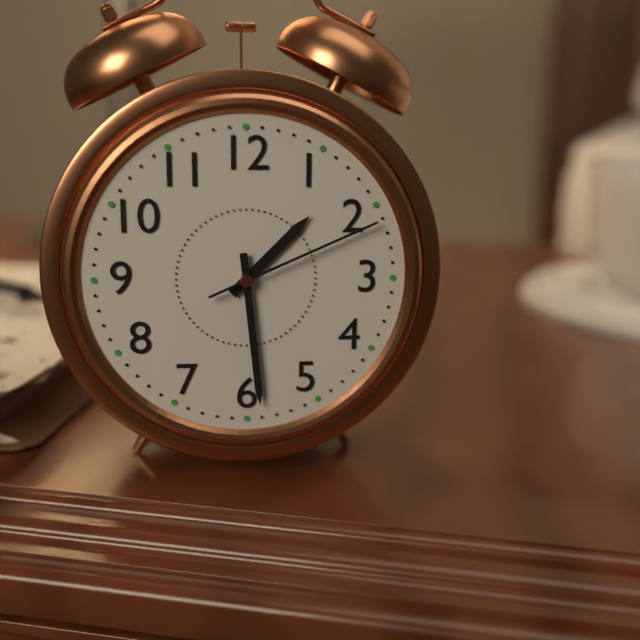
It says 1:29:11
